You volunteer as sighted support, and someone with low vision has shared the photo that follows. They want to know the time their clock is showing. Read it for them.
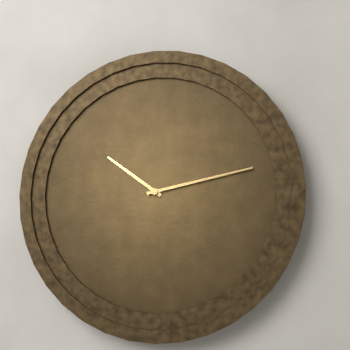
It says 10:13
